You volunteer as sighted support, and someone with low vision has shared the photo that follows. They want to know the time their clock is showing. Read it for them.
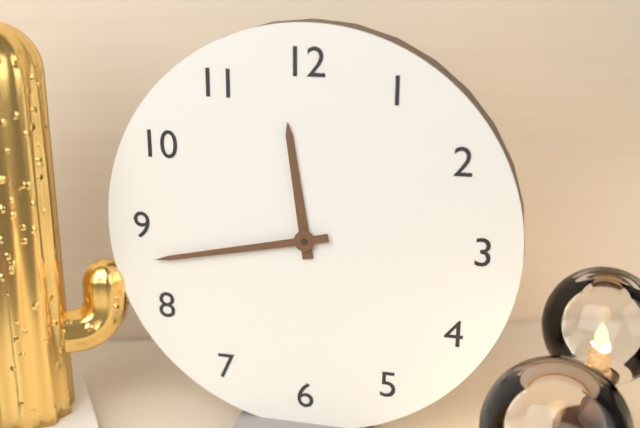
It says 11:43
